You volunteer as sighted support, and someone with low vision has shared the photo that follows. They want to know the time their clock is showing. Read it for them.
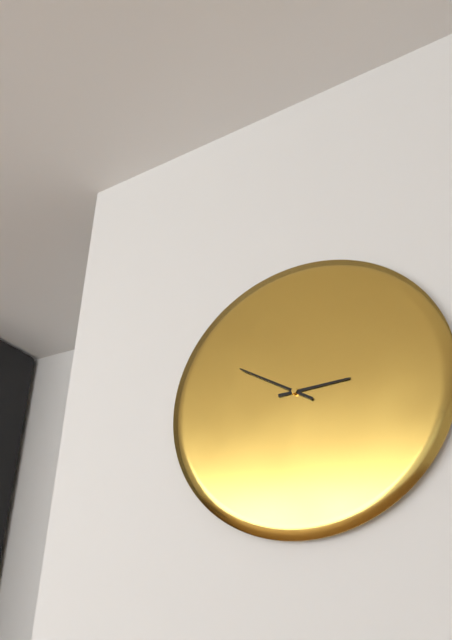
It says 2:50
